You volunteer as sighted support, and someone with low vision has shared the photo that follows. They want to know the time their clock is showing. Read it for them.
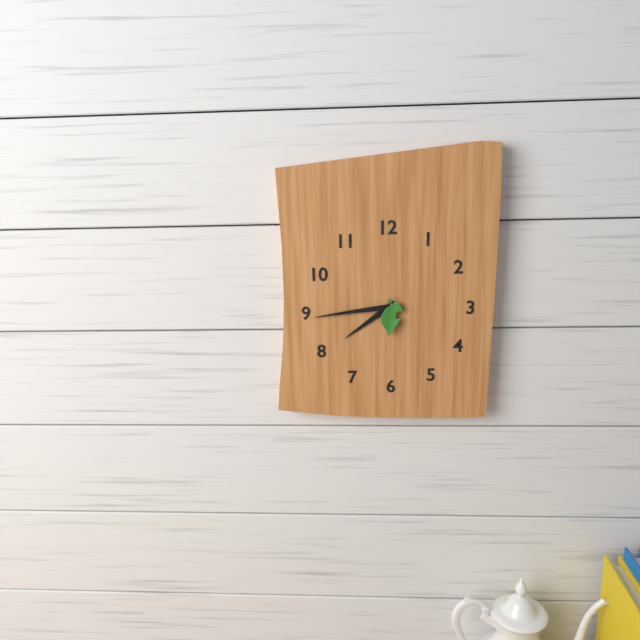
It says 7:44
